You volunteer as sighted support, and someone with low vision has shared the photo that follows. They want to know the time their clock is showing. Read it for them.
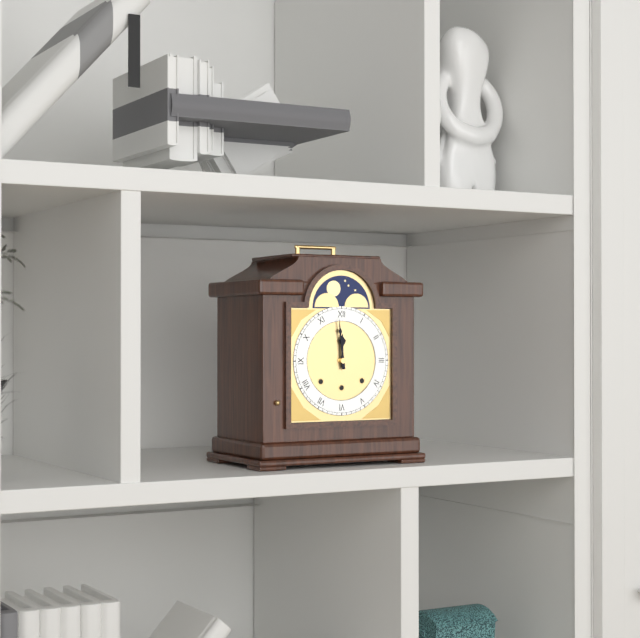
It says 11:59
